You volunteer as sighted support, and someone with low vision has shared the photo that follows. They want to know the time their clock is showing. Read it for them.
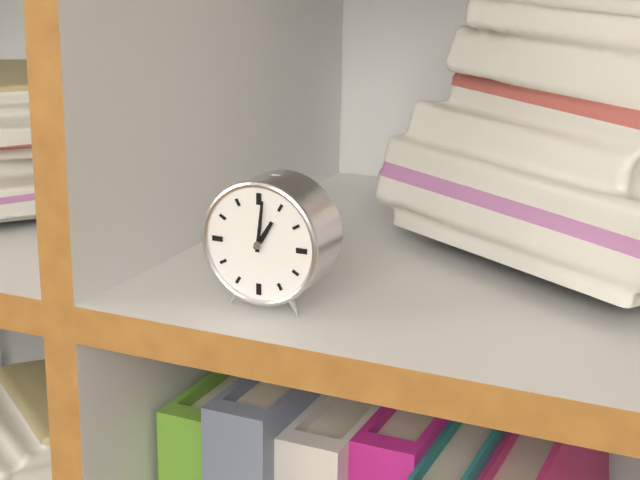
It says 1:01
